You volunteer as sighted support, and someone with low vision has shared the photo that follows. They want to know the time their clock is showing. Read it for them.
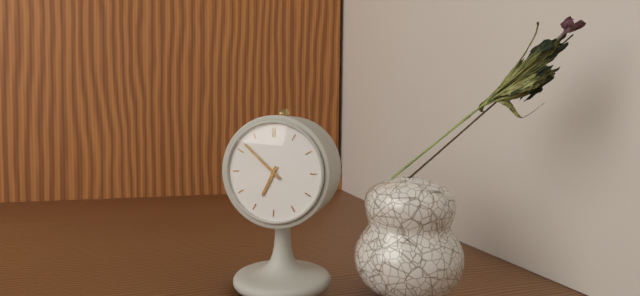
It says 6:52
